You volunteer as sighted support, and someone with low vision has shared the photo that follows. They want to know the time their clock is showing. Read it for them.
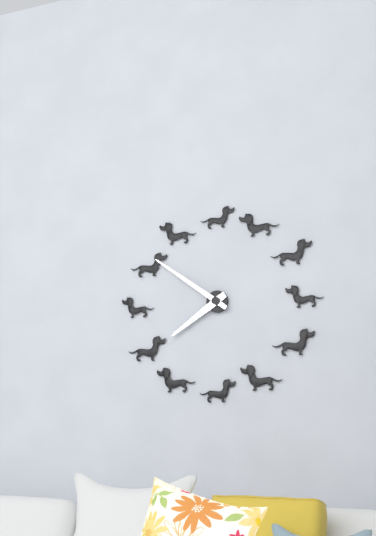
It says 7:51
